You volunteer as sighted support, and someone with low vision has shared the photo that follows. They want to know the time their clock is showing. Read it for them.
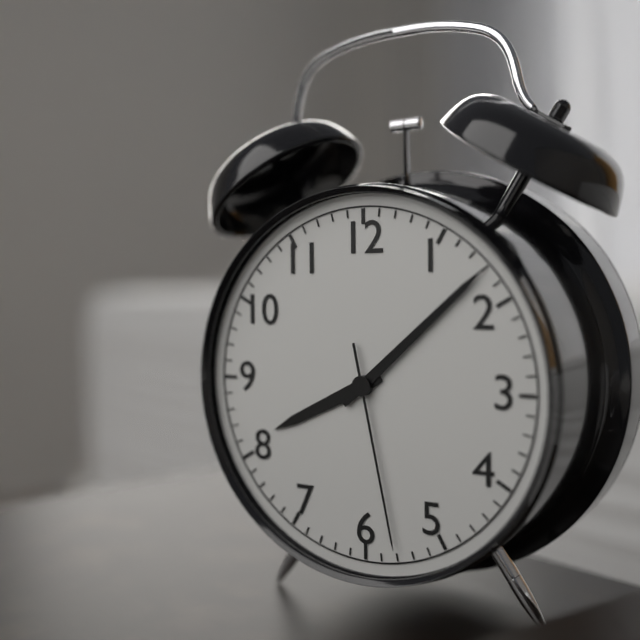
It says 8:08:28
